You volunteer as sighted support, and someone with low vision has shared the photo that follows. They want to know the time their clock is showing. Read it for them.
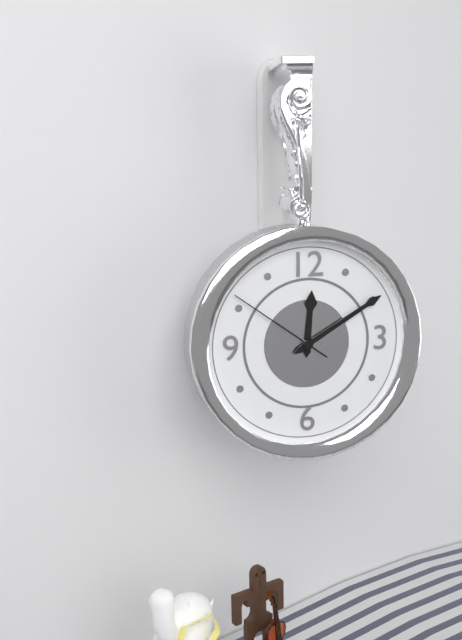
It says 12:10:51
